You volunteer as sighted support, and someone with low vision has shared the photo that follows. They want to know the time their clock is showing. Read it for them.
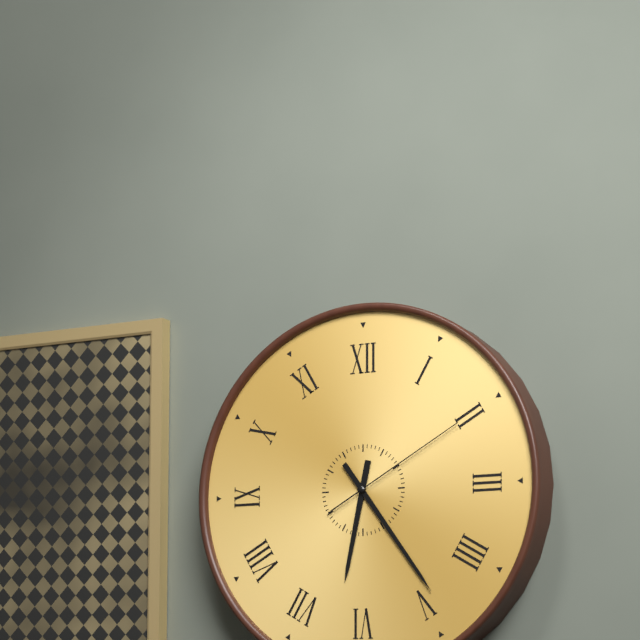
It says 6:24:10
